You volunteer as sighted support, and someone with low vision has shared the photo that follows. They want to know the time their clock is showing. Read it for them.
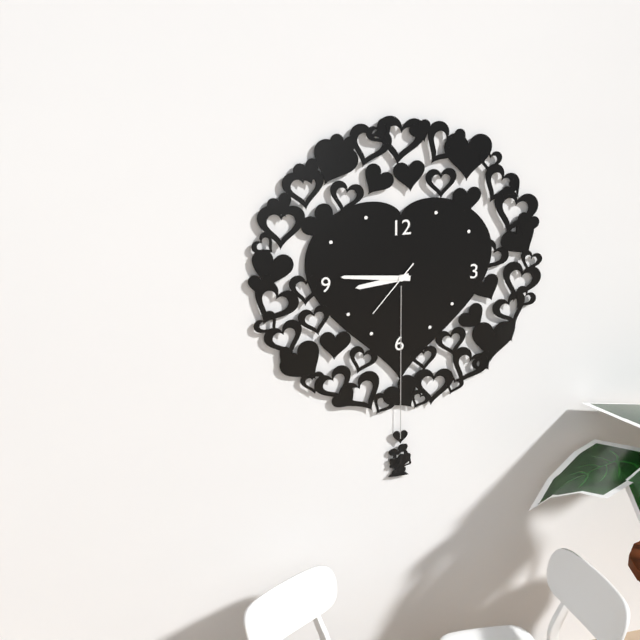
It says 8:46:37
